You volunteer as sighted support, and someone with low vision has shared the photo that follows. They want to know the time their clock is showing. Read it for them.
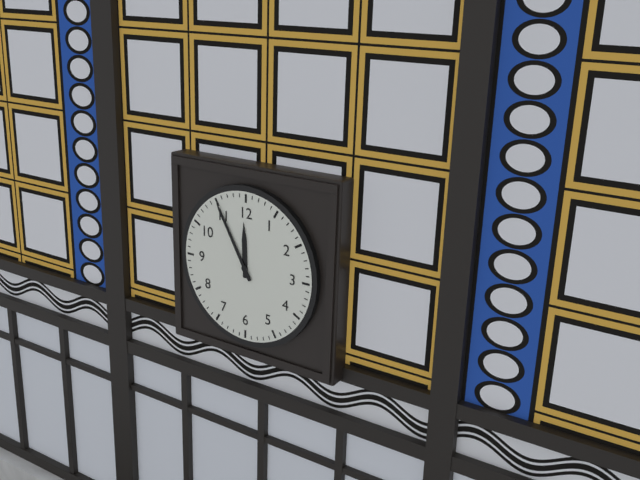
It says 11:55
